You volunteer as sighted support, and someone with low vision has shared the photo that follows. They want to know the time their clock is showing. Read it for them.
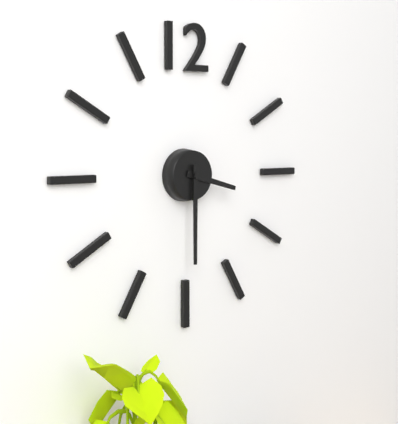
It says 3:30
